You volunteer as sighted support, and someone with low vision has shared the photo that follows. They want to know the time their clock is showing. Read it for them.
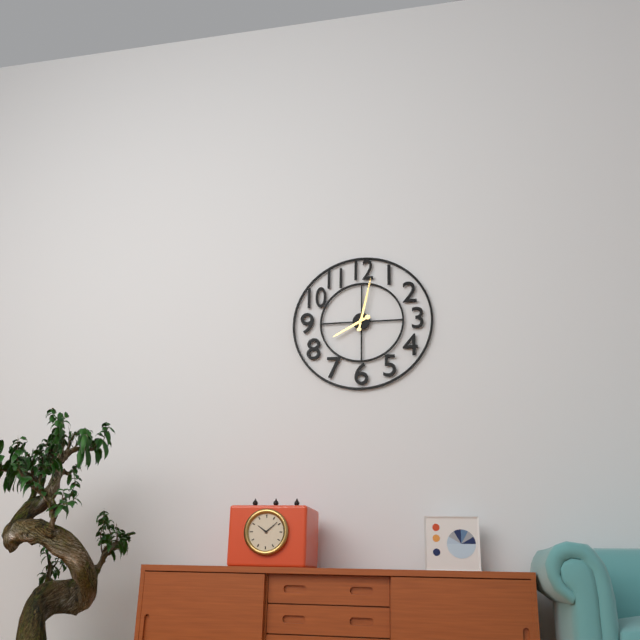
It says 8:02
